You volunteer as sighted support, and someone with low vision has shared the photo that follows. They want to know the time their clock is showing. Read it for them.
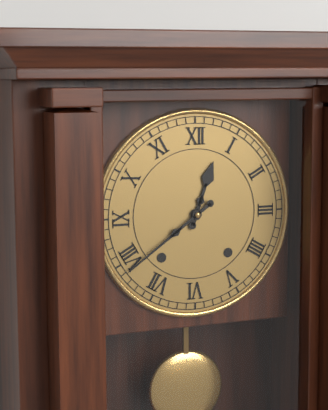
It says 12:39
